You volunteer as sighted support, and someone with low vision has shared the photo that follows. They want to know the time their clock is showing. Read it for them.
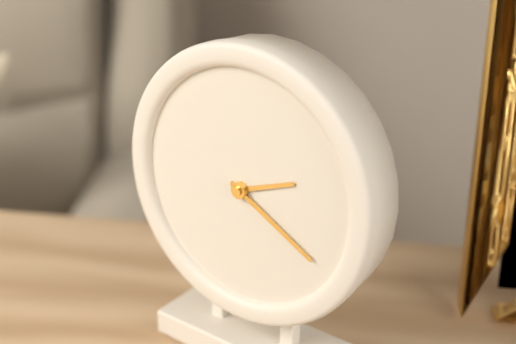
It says 2:20
